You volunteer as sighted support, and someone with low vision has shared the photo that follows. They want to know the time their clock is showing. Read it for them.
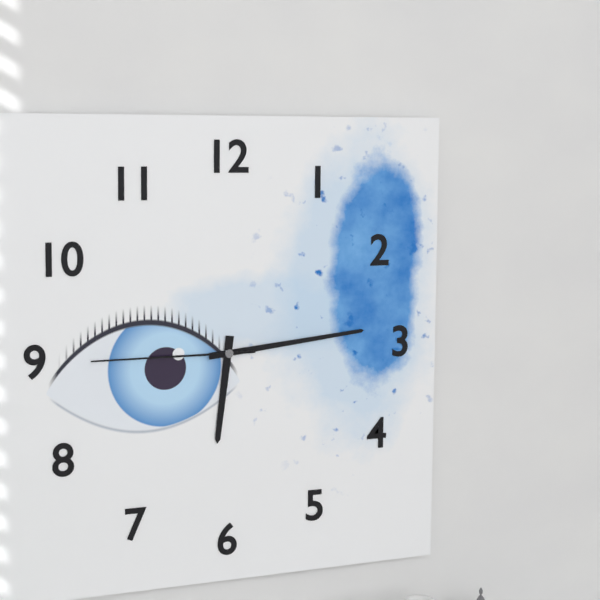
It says 6:14:45
